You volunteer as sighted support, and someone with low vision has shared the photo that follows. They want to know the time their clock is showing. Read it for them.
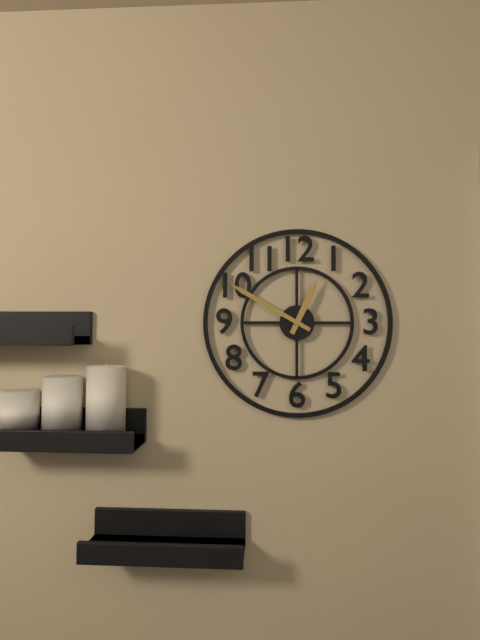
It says 12:50
